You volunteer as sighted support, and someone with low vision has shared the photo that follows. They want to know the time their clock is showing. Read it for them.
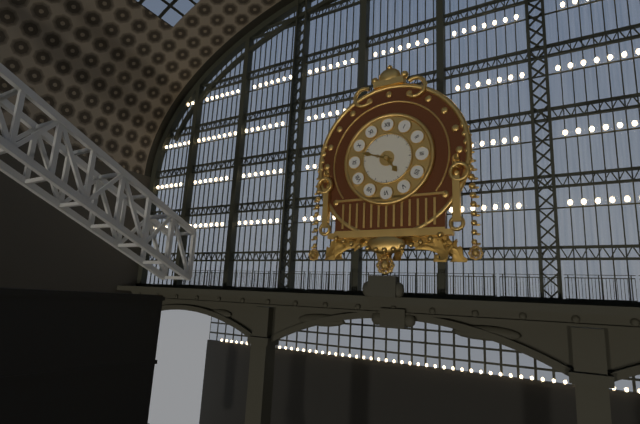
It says 4:48
